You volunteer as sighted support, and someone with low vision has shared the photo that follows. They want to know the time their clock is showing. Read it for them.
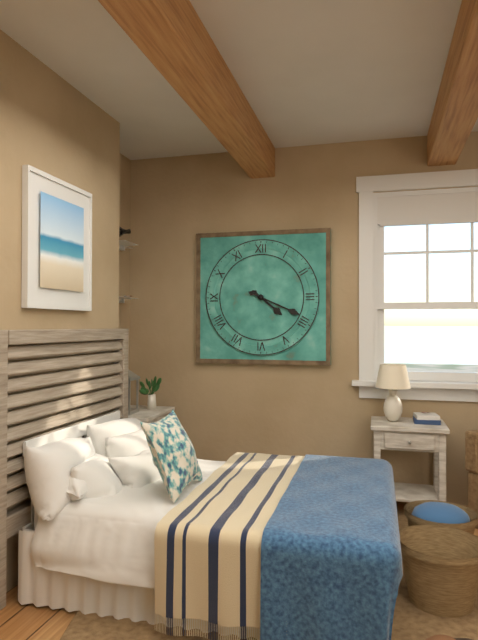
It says 4:19
